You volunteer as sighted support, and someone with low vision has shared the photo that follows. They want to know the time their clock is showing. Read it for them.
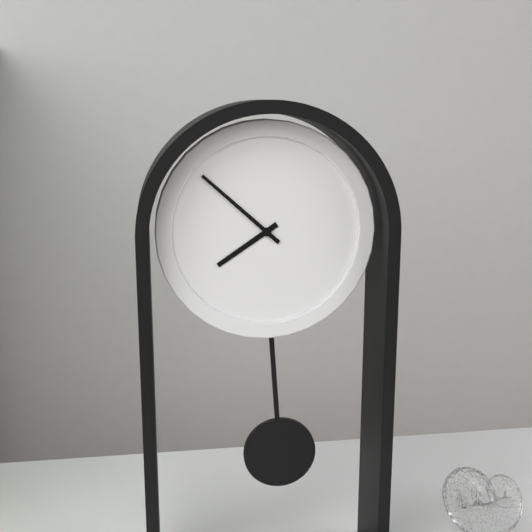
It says 7:52
